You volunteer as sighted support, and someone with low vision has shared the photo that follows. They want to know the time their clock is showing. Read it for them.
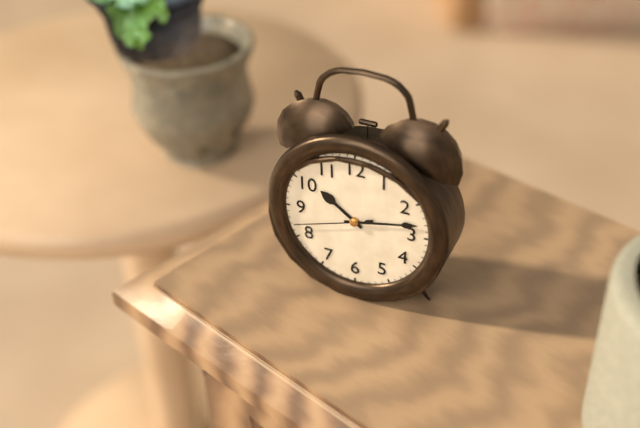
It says 10:13:42
